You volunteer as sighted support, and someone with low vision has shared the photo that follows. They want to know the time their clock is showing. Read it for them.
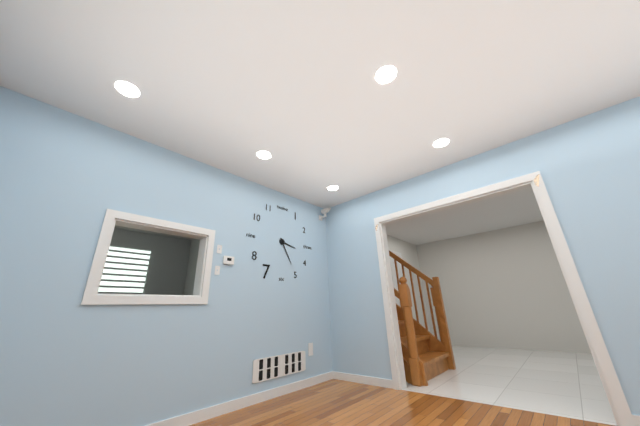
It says 3:25
